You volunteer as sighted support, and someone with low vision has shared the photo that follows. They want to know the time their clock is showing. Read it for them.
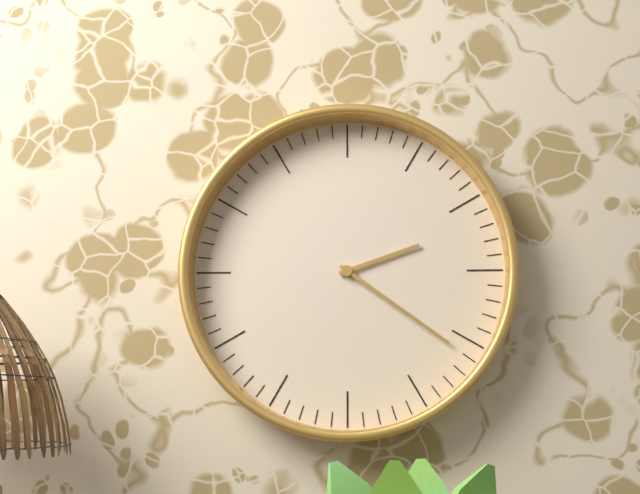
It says 2:21
